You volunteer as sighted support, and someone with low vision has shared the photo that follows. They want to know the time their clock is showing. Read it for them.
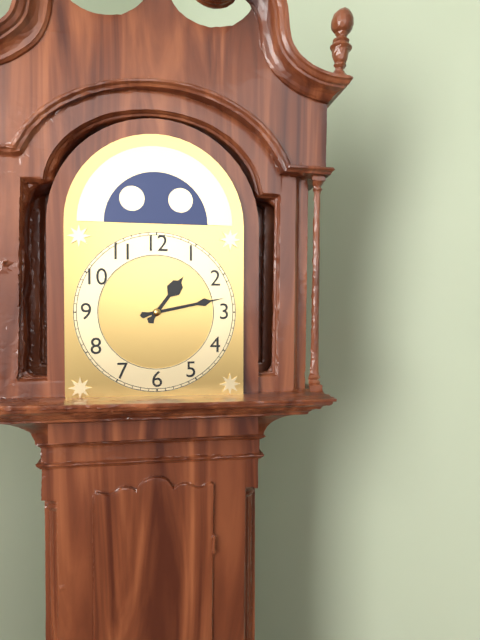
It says 1:13
